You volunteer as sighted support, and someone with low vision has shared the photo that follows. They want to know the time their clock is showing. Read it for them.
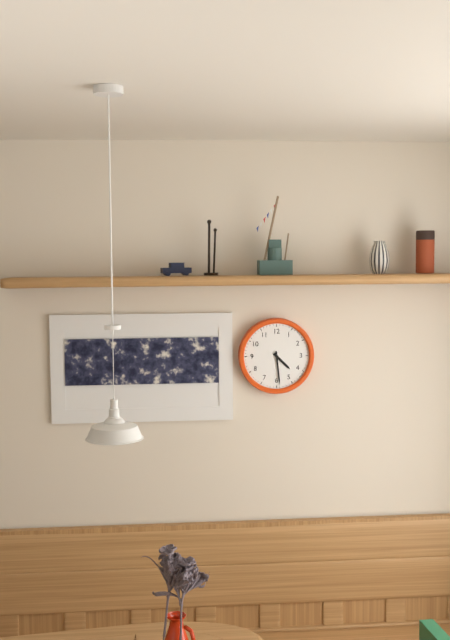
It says 4:29
